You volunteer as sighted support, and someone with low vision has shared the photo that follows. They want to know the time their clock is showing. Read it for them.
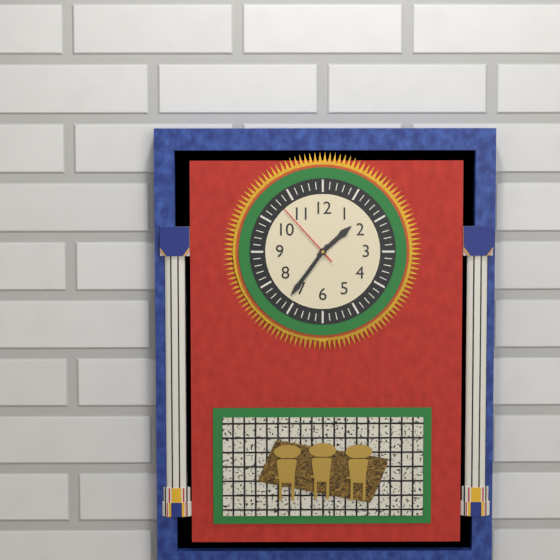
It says 1:36:53
